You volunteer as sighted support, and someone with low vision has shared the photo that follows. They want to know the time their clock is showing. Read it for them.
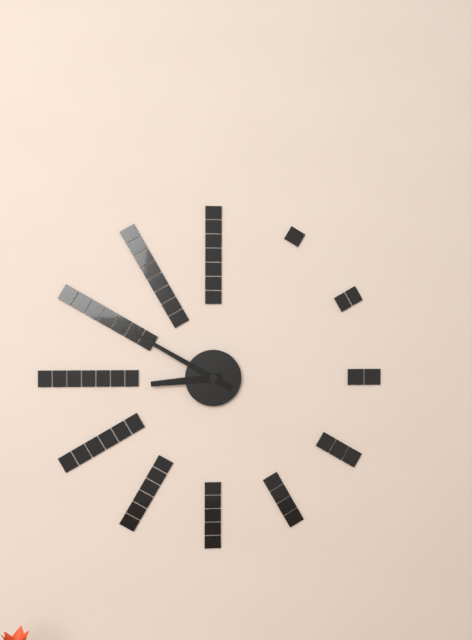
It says 8:50
